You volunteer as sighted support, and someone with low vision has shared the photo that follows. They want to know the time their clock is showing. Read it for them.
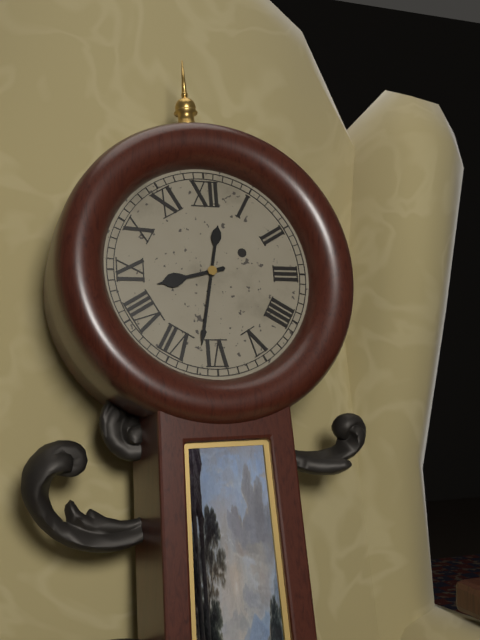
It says 8:32
